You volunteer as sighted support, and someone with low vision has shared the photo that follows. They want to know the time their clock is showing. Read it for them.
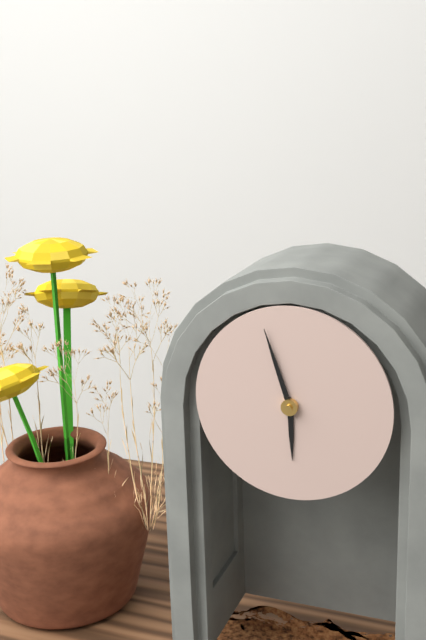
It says 5:57
